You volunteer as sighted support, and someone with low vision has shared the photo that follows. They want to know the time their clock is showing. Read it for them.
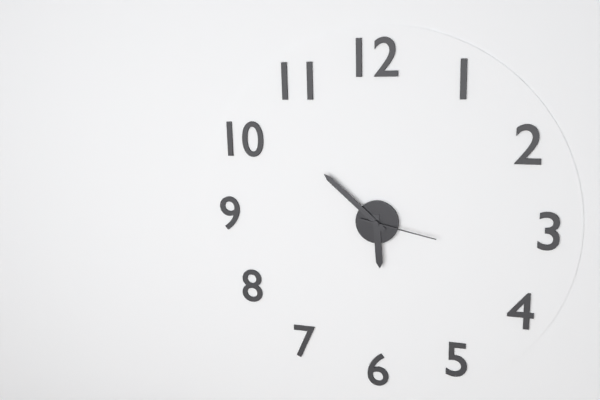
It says 5:52:17
